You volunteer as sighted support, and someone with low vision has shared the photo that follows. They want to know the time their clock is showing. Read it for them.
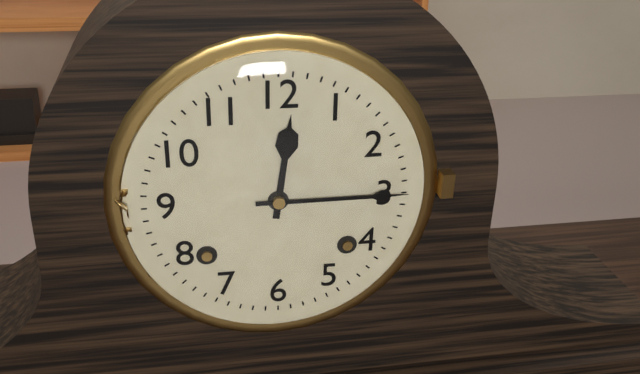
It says 12:15
